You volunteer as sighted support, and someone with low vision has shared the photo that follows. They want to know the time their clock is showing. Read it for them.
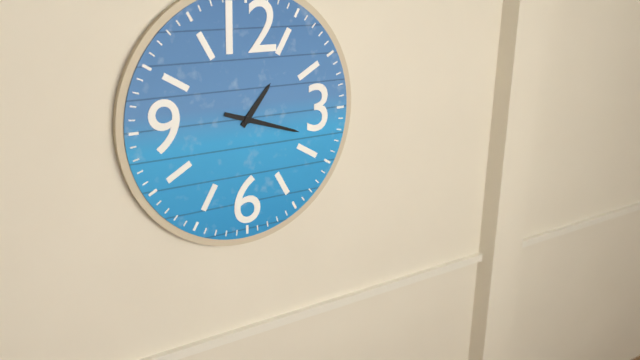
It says 1:18
